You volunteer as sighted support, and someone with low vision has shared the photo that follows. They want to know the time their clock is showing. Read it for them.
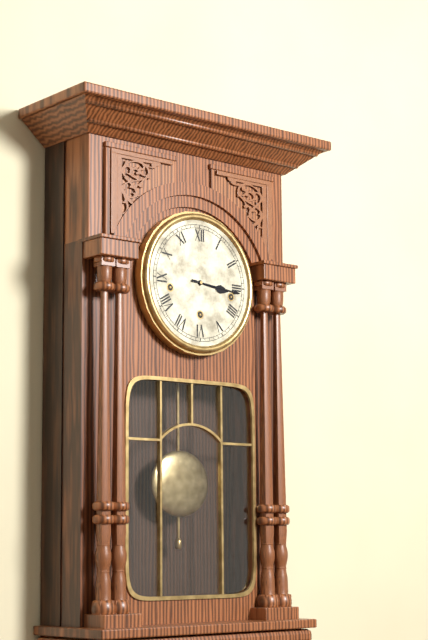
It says 3:16
